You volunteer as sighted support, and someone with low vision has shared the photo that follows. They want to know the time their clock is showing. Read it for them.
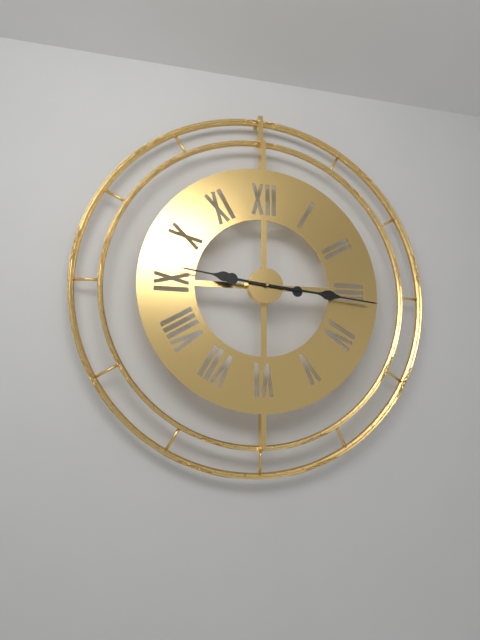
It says 9:16
